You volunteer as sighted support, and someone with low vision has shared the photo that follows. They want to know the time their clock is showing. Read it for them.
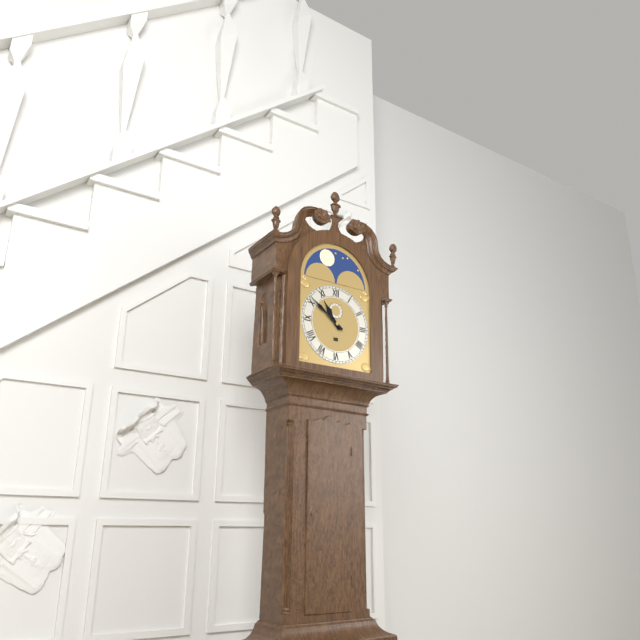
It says 10:51
